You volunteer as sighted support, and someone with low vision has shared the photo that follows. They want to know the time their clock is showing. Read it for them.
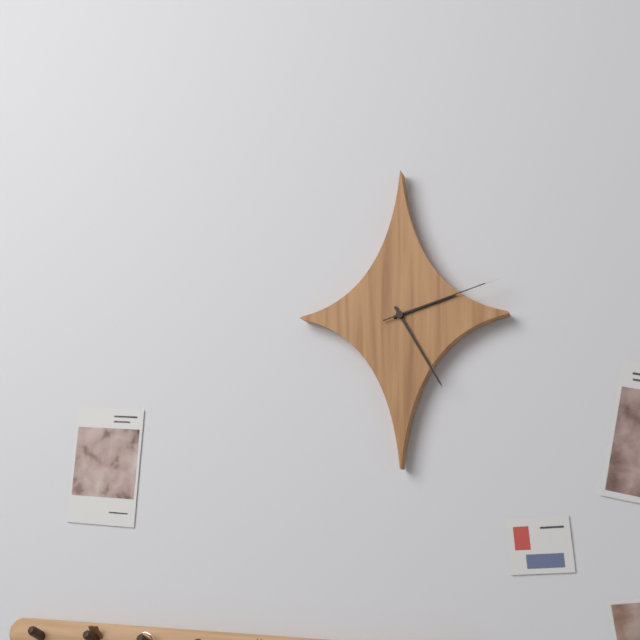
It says 2:25:12
